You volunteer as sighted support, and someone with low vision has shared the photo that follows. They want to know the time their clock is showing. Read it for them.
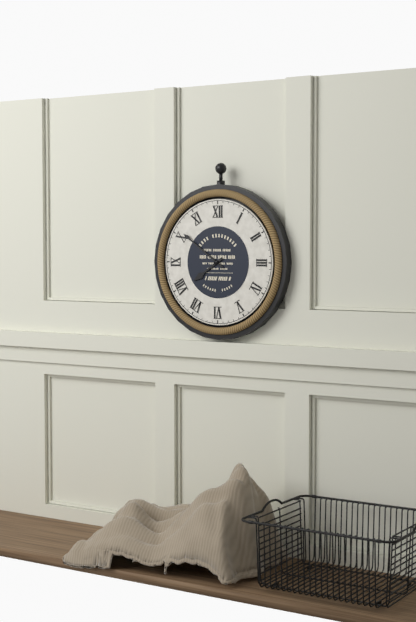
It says 7:51
